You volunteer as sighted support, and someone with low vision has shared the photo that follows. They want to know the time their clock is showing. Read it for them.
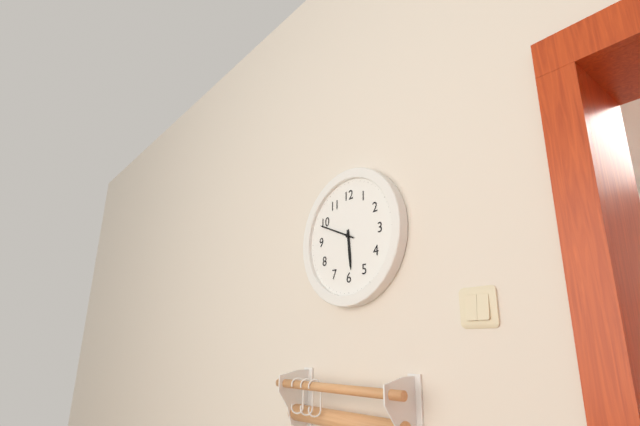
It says 5:49
